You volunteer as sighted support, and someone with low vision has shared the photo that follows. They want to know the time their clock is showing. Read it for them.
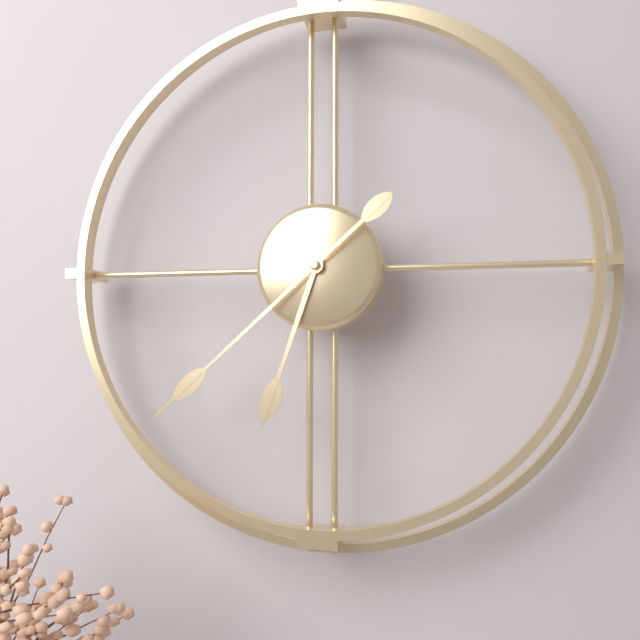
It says 6:38
